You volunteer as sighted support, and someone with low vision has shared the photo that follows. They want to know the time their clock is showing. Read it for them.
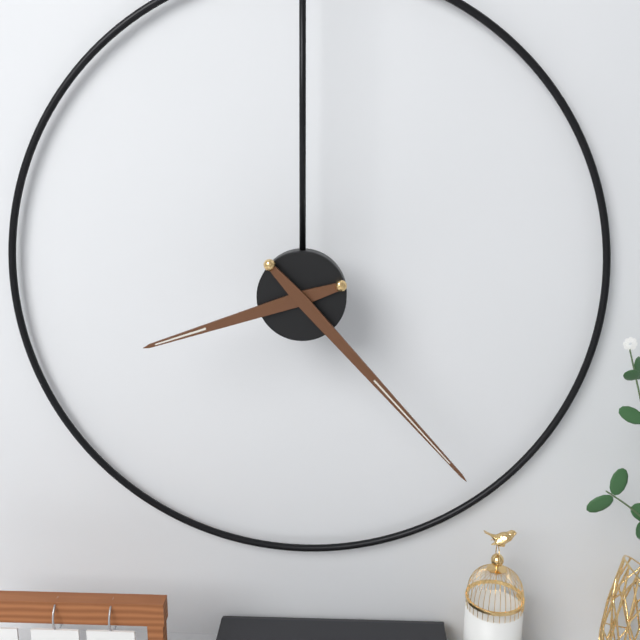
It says 8:23
